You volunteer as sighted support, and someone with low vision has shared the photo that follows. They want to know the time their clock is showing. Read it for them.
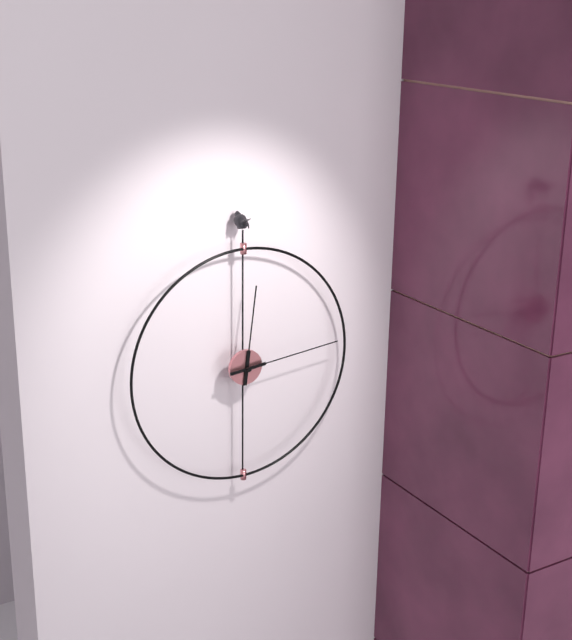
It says 12:14
